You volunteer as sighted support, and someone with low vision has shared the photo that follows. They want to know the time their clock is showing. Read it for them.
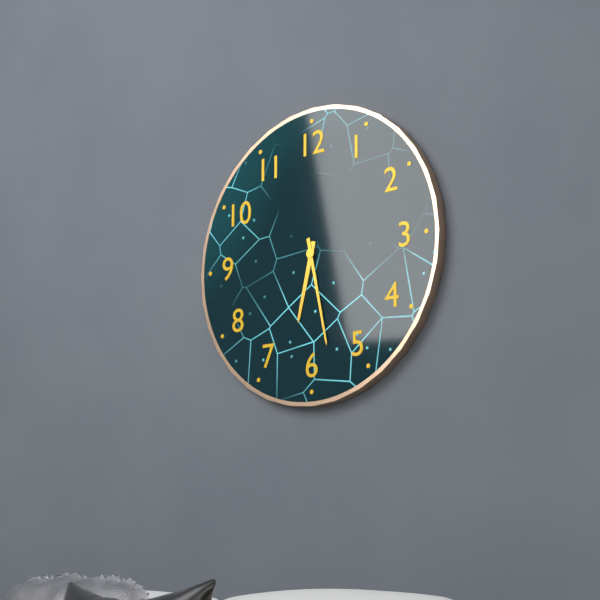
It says 6:28
